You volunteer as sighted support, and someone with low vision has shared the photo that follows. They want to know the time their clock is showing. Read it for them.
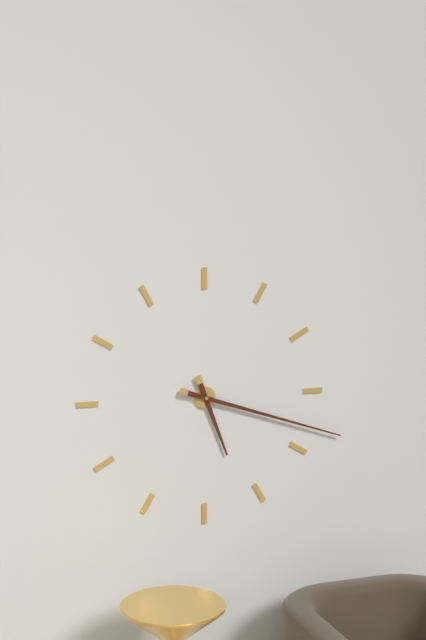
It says 5:18
